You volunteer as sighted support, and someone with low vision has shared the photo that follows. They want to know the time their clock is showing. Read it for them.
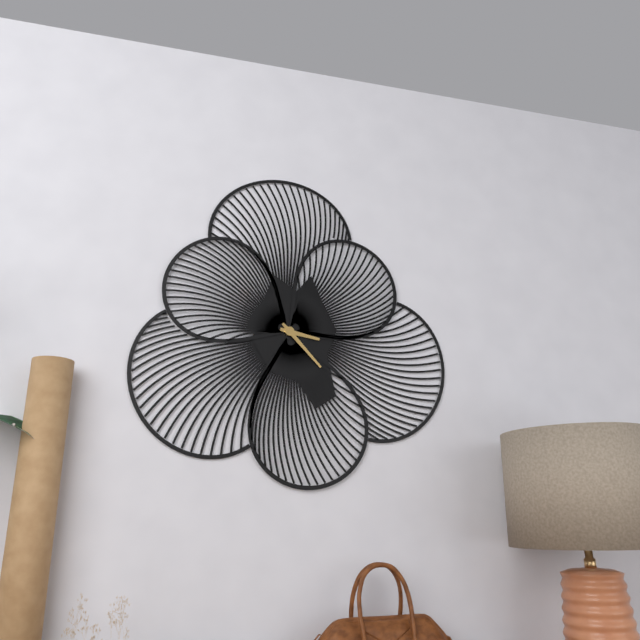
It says 3:23
